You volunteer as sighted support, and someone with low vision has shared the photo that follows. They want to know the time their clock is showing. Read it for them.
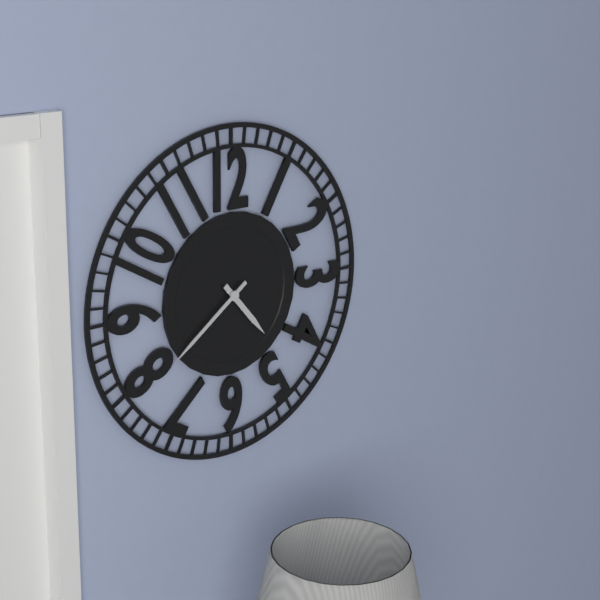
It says 4:39
